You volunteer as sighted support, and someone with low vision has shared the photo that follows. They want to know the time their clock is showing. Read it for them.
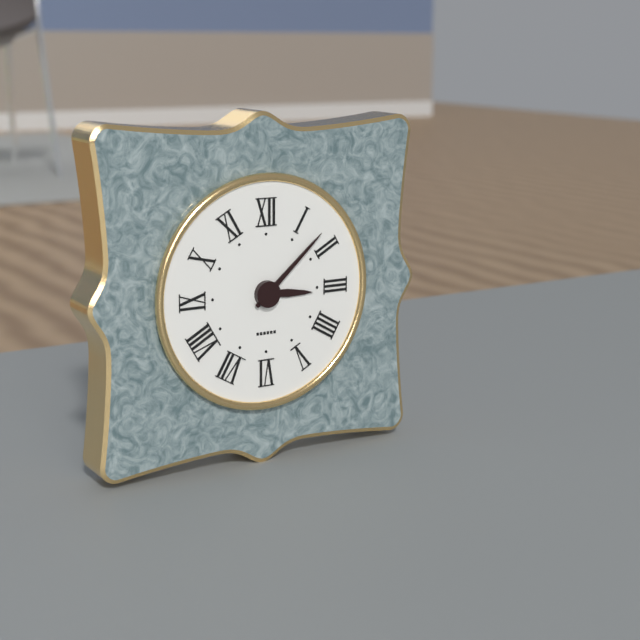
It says 3:08
